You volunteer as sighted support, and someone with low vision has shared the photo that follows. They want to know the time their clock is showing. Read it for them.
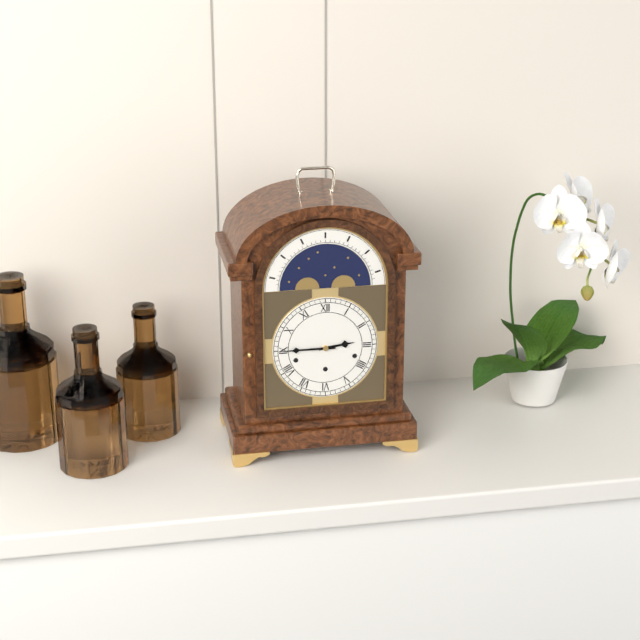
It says 2:45
